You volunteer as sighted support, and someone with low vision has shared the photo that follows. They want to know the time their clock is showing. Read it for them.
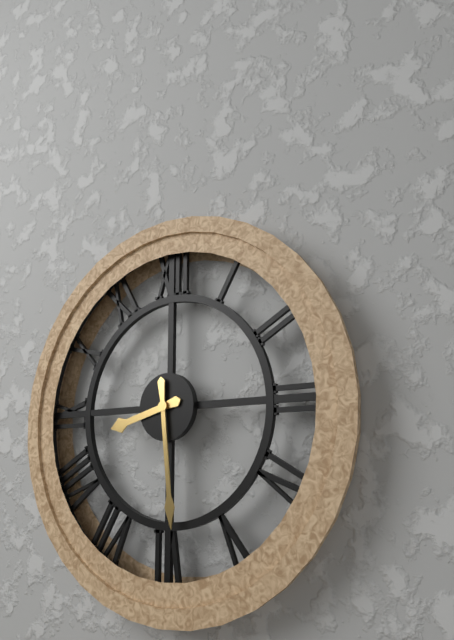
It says 8:29
